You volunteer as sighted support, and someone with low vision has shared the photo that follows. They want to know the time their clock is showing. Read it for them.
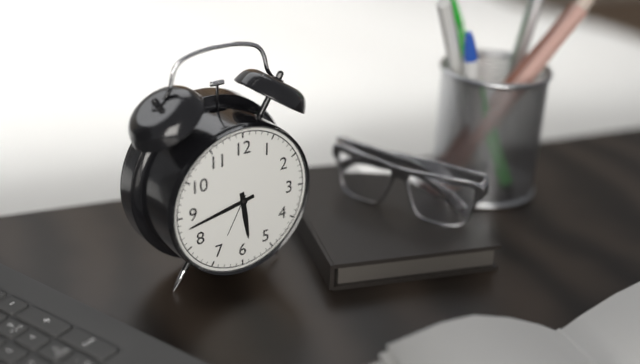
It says 5:43
